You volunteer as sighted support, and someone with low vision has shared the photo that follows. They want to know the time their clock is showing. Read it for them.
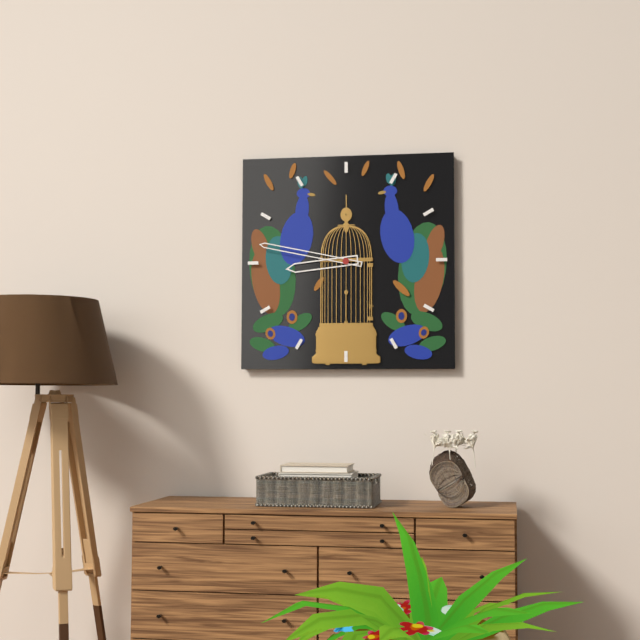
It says 8:47
